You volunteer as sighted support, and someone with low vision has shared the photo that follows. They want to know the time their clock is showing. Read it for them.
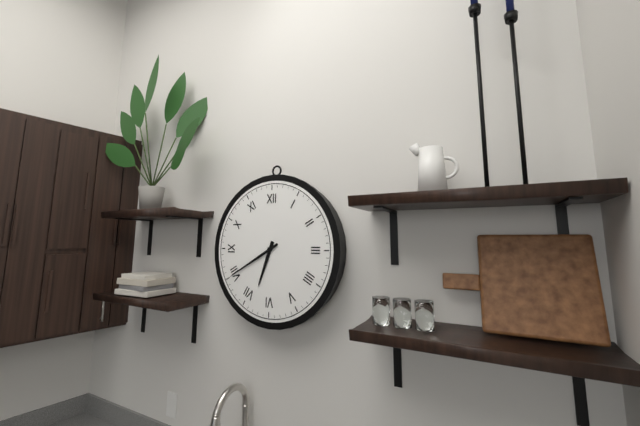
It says 6:40
